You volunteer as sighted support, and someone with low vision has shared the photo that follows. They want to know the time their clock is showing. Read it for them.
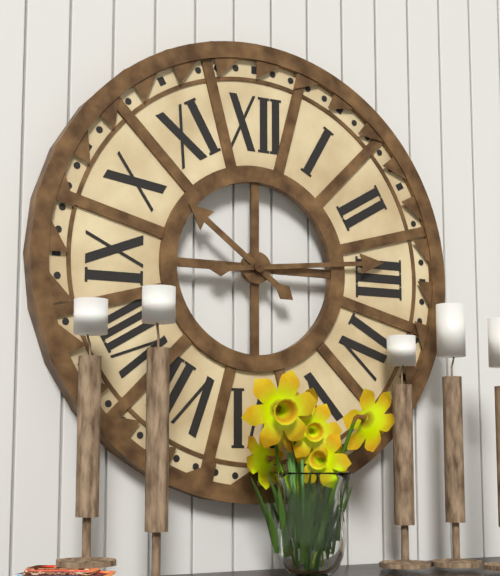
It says 10:14
